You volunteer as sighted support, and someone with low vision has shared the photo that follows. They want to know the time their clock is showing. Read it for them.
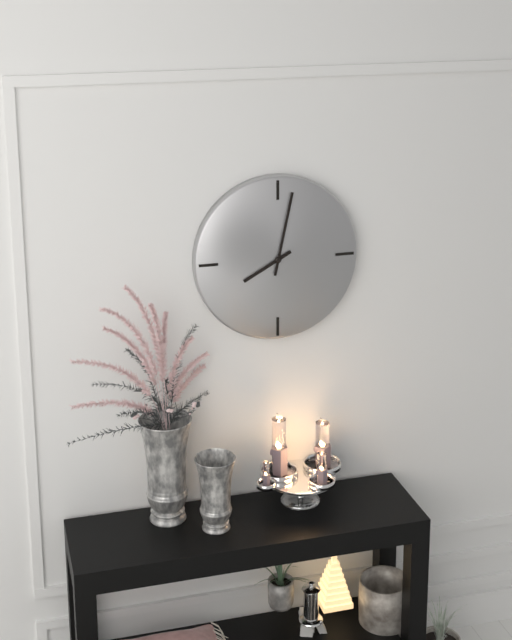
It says 8:02
